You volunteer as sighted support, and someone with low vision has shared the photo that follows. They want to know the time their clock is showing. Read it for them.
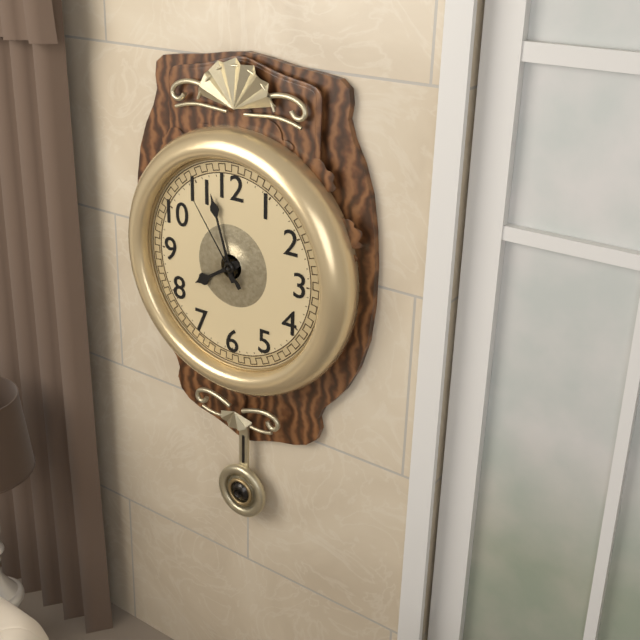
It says 7:57:54
